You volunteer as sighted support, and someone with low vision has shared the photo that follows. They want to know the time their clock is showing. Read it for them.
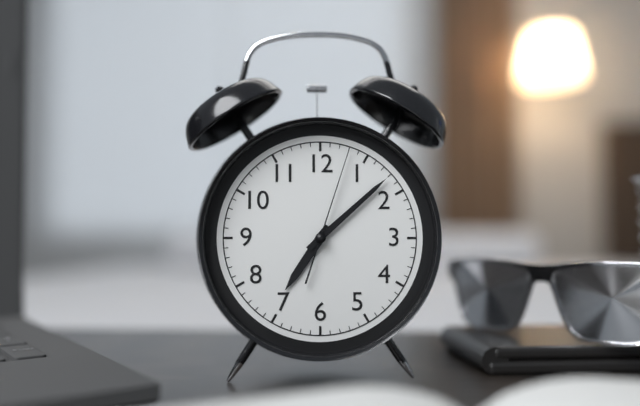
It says 7:08:03
